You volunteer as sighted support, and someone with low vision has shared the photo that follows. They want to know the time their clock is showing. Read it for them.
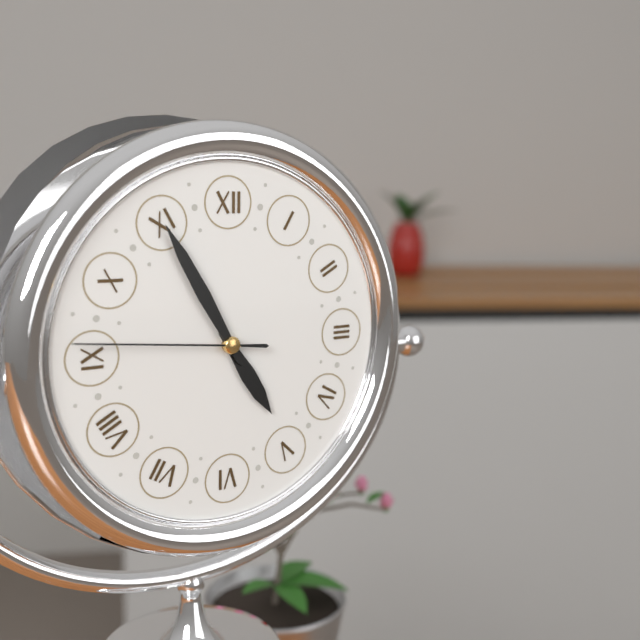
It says 4:55:46
